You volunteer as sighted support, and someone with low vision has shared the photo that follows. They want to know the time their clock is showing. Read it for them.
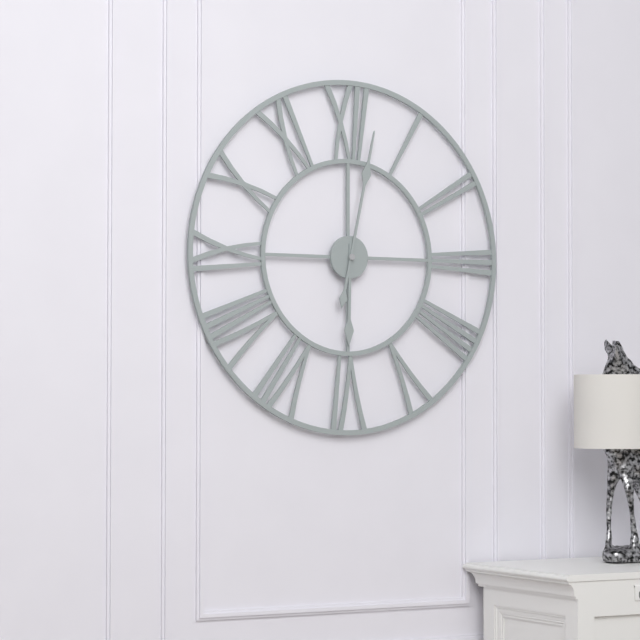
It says 6:02
